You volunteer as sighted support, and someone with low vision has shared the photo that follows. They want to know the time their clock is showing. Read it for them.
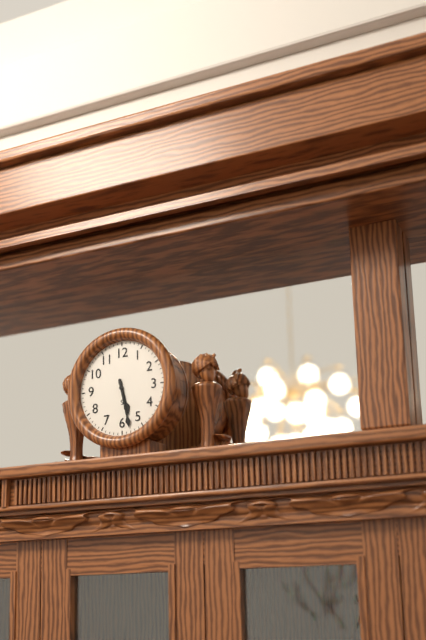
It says 5:28
